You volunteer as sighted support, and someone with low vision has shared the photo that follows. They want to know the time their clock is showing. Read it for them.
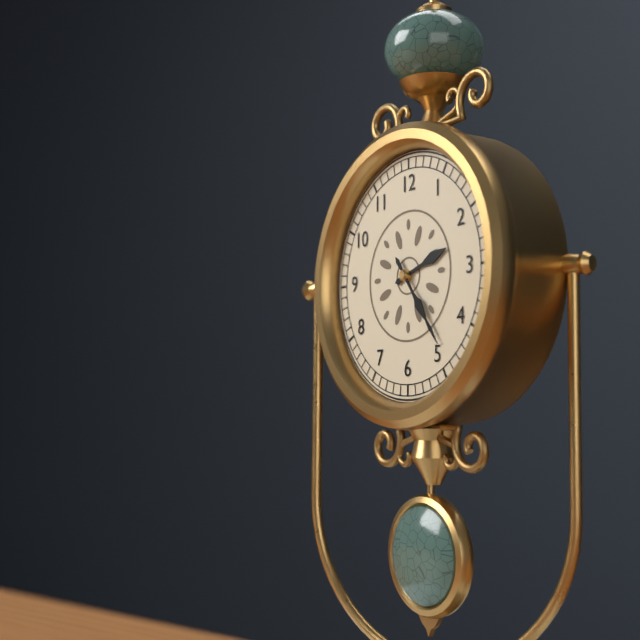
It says 2:24
